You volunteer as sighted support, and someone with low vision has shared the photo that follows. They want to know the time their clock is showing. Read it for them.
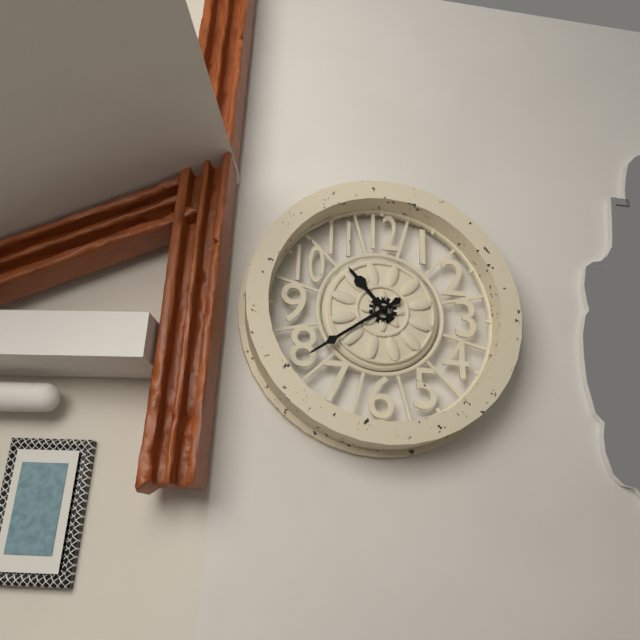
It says 10:39
